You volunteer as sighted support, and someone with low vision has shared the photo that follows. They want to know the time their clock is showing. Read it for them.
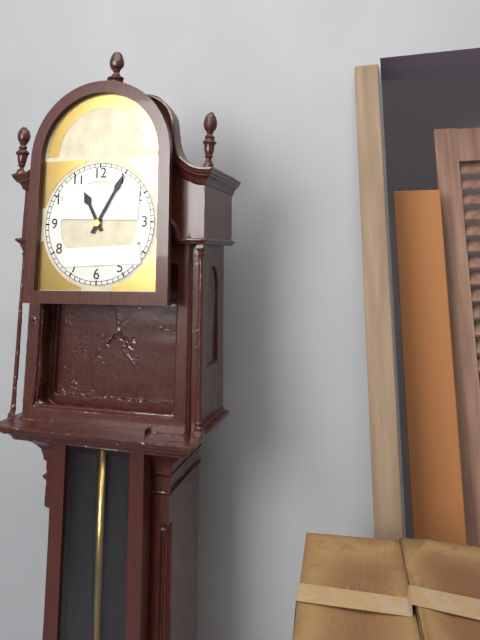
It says 11:05
